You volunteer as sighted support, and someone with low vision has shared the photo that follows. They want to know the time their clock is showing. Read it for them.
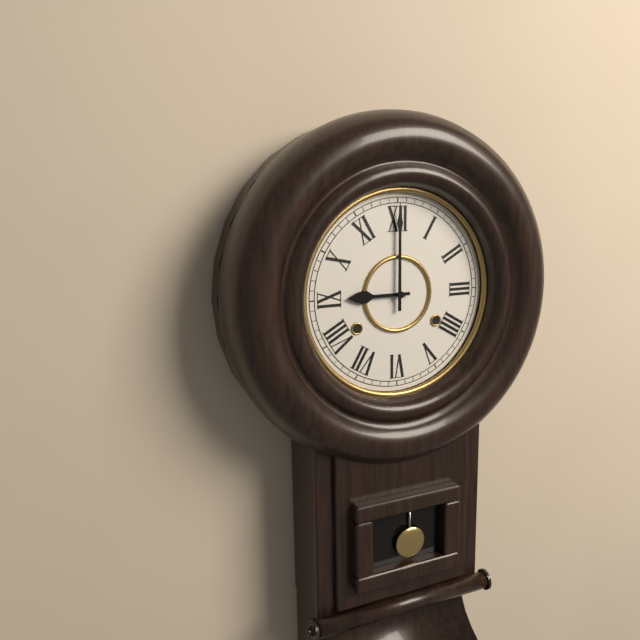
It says 9:00
